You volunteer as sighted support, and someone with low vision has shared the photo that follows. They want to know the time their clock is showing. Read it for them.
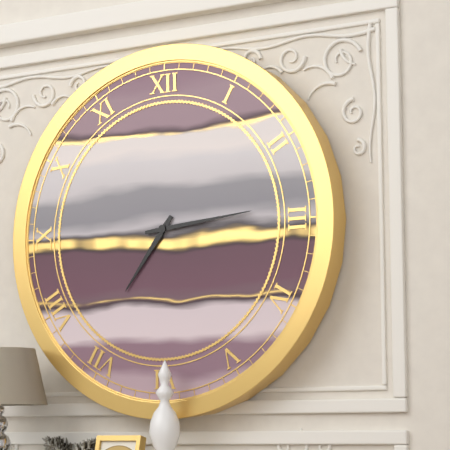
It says 7:14
